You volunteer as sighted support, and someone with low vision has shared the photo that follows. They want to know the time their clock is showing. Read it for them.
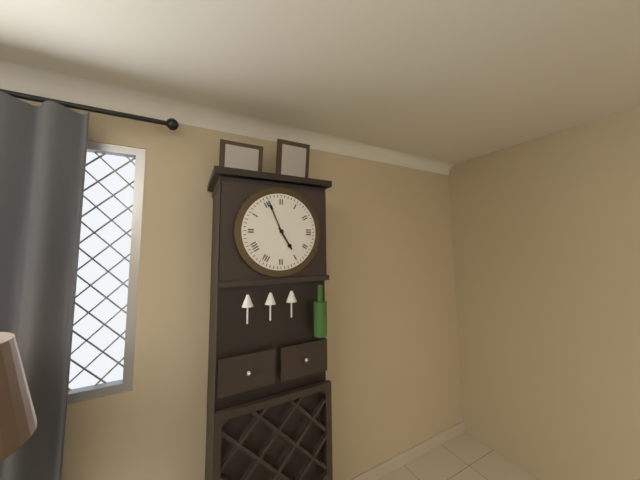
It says 4:56
